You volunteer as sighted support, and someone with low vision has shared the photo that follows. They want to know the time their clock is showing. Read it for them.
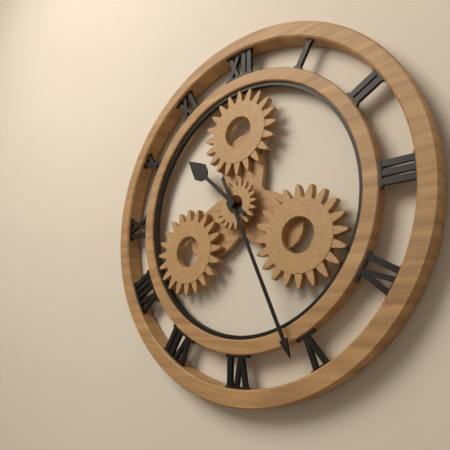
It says 10:26
